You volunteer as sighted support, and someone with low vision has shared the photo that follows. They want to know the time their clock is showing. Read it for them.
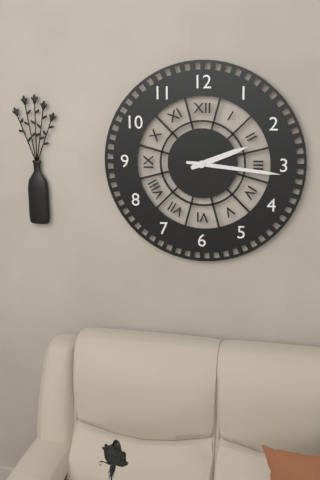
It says 2:16
